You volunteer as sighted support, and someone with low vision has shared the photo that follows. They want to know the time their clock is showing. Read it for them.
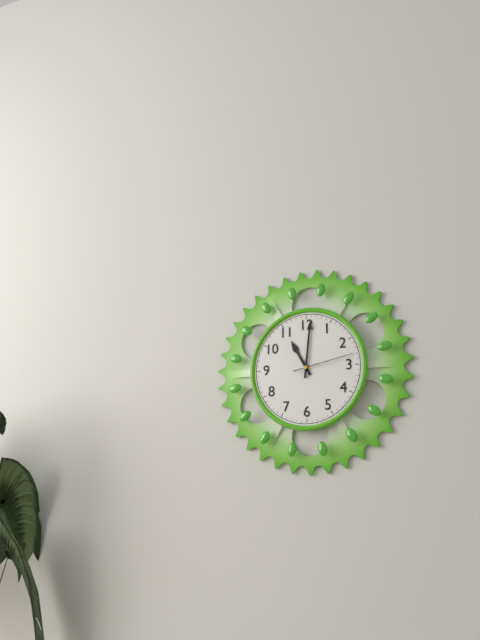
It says 11:01:13
